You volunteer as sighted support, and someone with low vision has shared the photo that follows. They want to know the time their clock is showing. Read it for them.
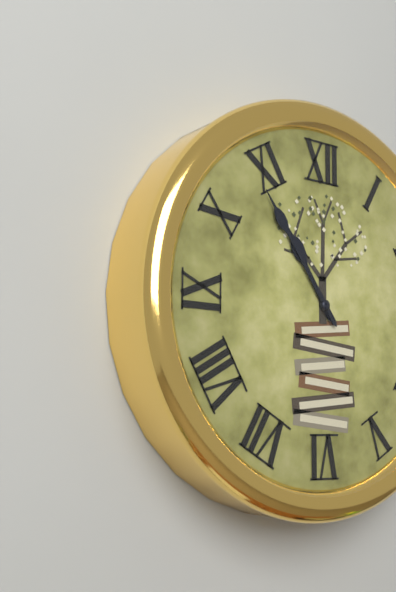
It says 10:54
